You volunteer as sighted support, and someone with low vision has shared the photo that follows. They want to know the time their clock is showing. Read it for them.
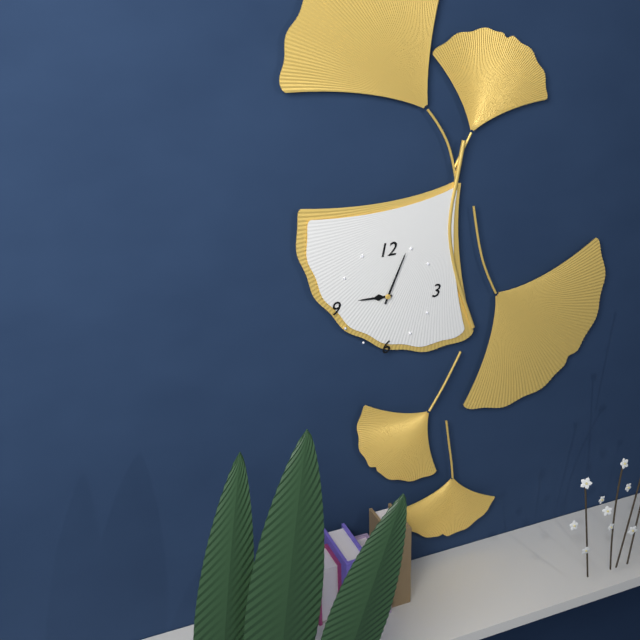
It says 9:04
